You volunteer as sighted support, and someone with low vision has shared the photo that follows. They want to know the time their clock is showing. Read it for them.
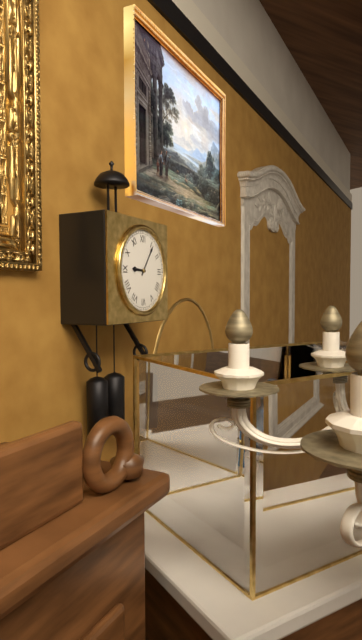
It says 9:06
